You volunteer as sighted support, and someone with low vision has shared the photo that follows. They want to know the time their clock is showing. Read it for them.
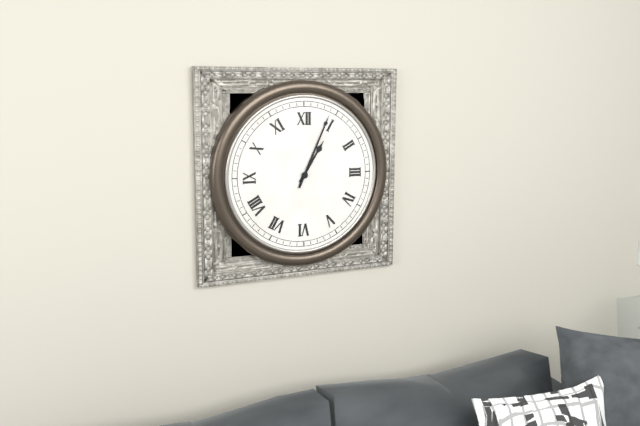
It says 1:04
